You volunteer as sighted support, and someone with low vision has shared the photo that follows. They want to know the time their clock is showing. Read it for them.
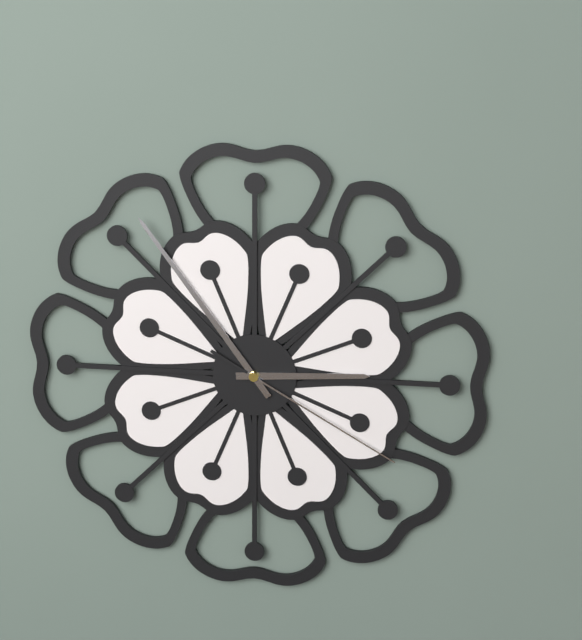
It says 2:54:20
